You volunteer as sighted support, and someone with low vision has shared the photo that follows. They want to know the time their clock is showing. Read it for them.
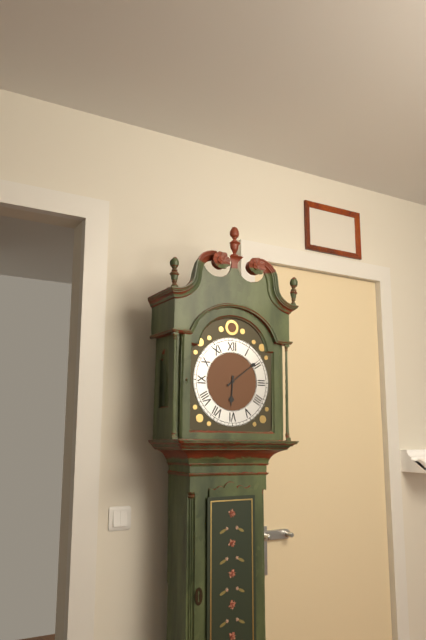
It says 6:09
